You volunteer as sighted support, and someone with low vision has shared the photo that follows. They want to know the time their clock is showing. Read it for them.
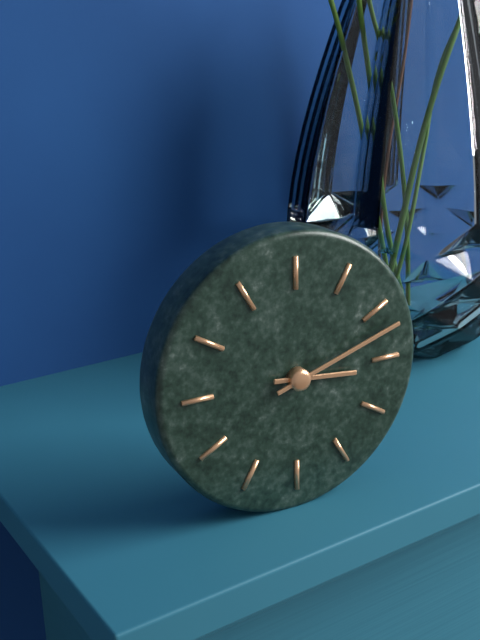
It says 3:12
